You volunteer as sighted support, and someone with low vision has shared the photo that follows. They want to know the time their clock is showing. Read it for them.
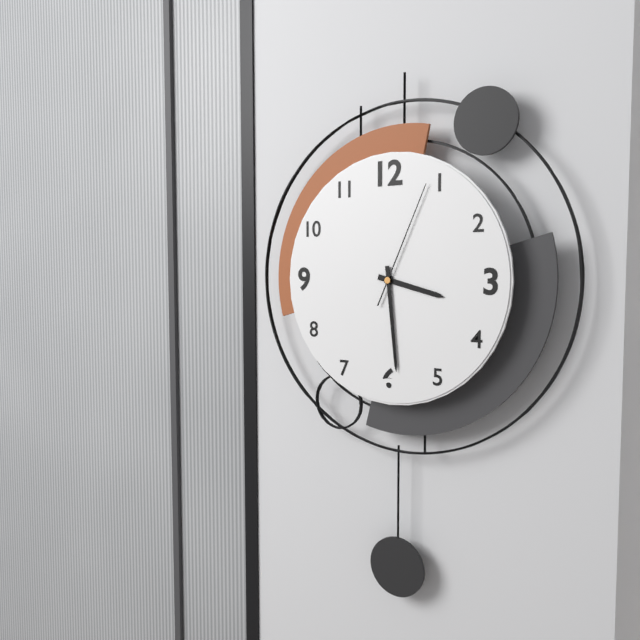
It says 3:29:04
